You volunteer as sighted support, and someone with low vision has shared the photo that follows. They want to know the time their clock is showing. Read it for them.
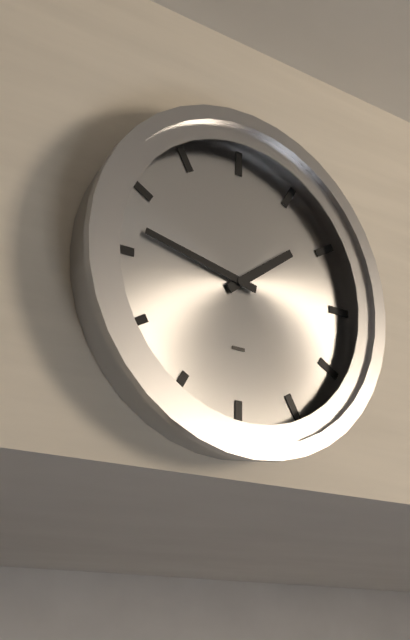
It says 1:47
